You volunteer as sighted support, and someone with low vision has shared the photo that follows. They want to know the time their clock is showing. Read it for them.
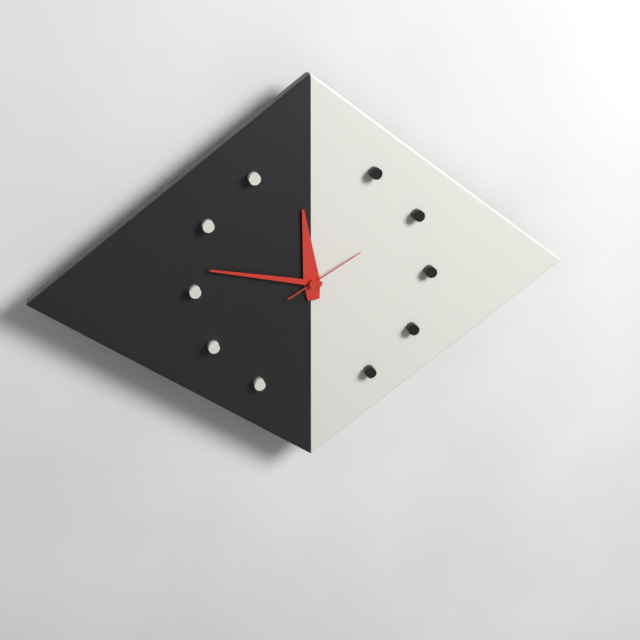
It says 11:47:10
